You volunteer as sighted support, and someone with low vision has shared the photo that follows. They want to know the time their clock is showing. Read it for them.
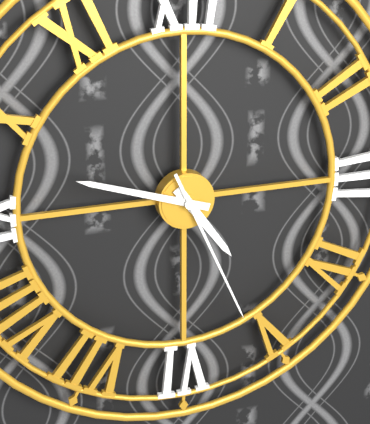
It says 4:48:26
